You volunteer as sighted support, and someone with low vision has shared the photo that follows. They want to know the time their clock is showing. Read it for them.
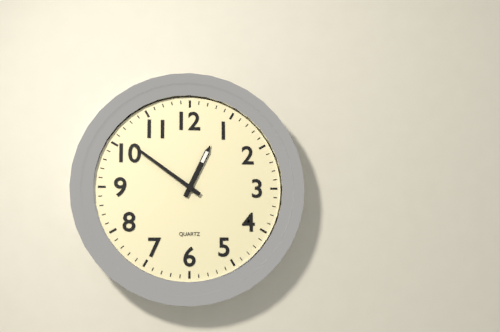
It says 12:51
